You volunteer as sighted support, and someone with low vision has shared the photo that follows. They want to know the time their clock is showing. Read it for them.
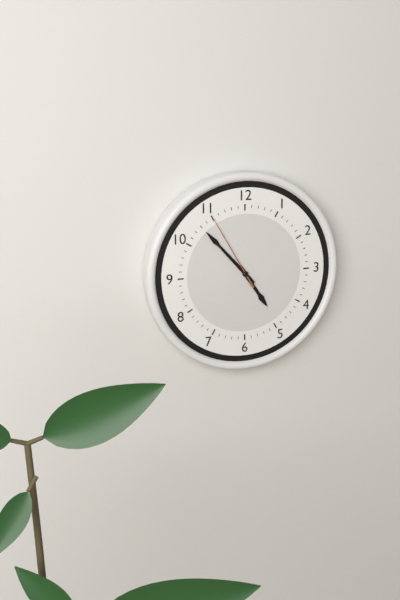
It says 4:53:55
